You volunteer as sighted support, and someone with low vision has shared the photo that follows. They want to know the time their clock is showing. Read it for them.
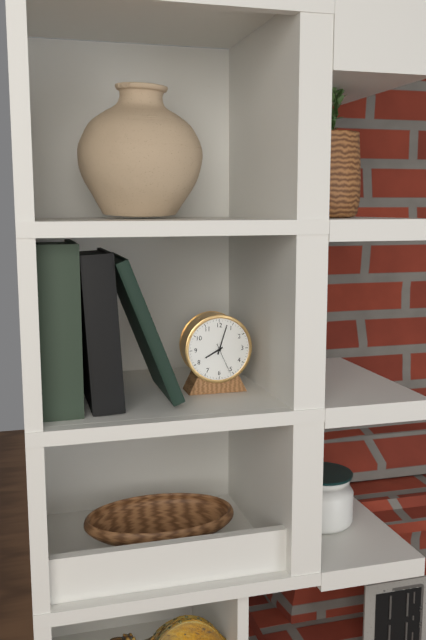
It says 8:03
